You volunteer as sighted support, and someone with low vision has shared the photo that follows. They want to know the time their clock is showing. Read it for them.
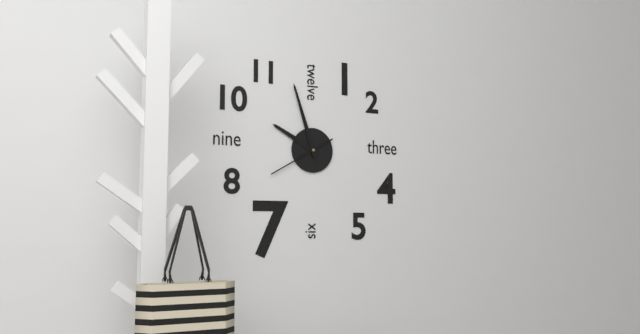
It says 9:57:40
